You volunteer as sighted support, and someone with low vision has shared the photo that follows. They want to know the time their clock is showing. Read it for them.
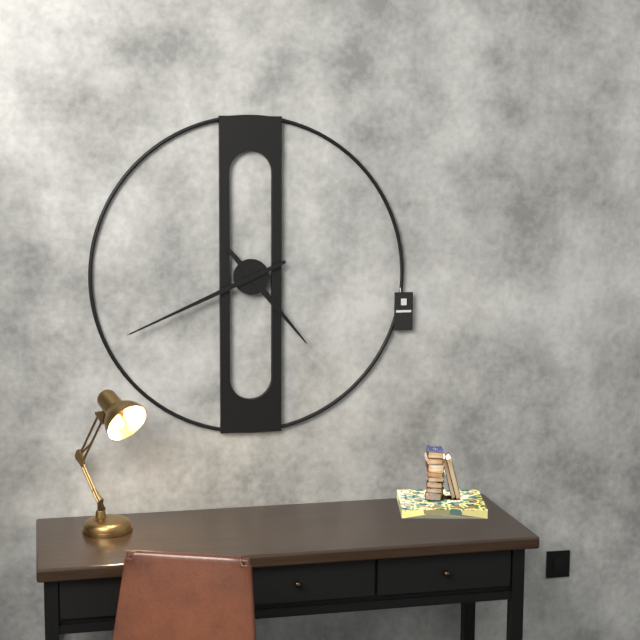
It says 4:41
